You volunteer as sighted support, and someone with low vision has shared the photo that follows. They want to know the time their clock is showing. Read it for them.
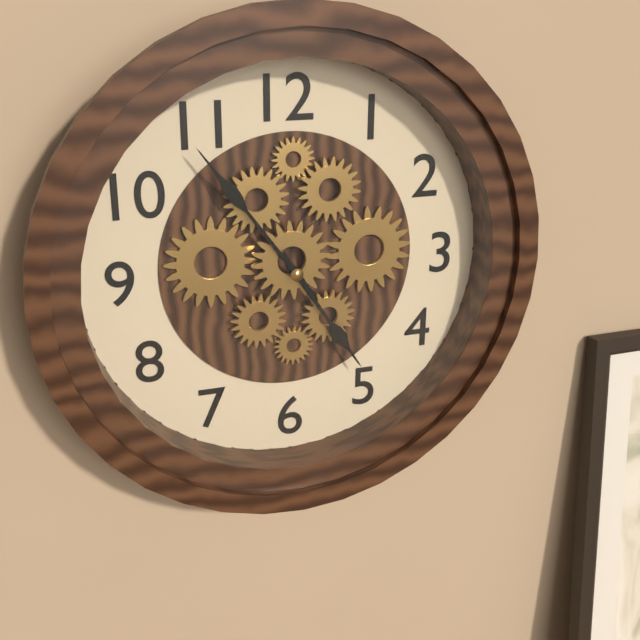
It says 4:54
